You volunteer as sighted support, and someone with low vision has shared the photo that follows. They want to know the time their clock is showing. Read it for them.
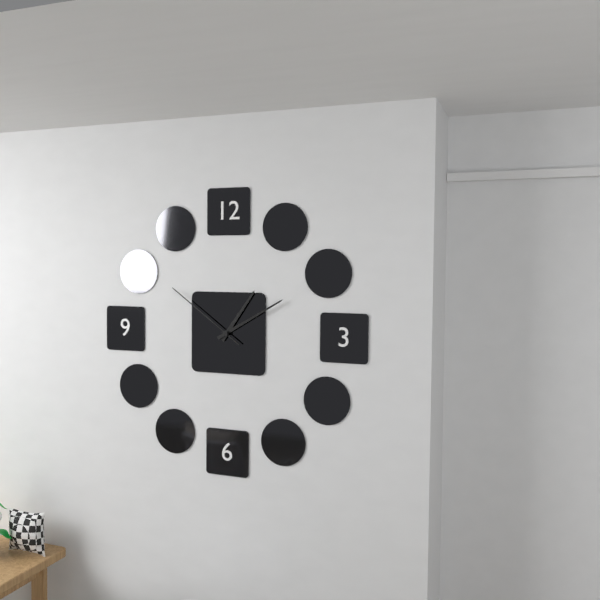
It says 1:10:51
